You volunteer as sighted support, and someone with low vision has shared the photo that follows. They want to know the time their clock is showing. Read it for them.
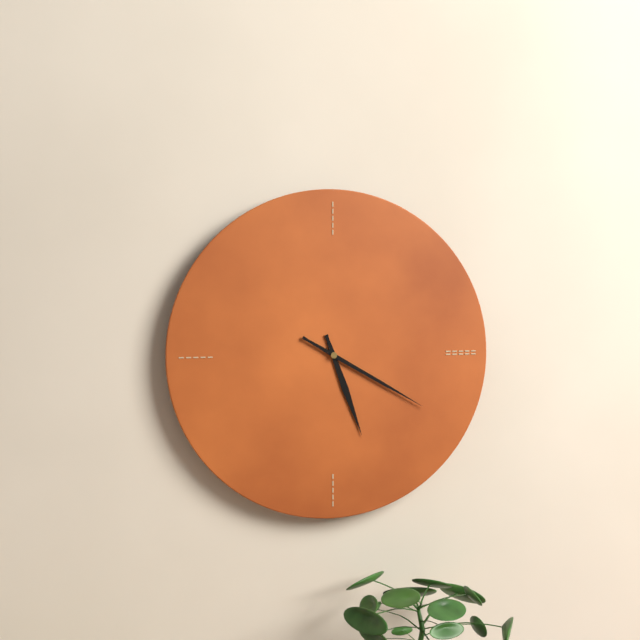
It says 5:20
